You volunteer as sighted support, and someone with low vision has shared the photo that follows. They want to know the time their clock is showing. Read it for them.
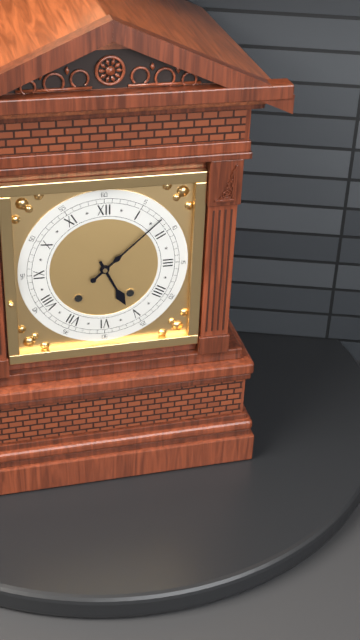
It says 5:08
